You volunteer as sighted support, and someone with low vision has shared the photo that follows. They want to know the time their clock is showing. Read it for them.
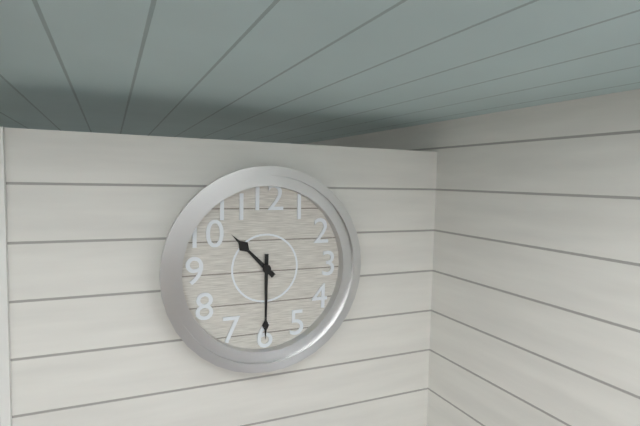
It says 10:30
